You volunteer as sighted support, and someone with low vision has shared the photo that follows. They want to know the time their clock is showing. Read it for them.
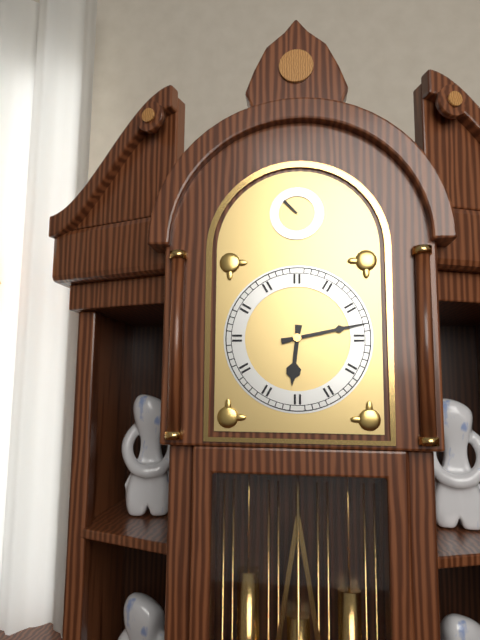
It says 6:13
